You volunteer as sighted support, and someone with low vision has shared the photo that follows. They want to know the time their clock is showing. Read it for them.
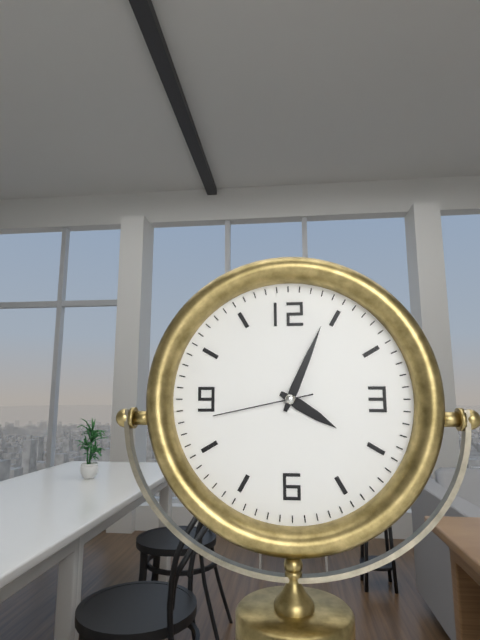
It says 4:04:43
